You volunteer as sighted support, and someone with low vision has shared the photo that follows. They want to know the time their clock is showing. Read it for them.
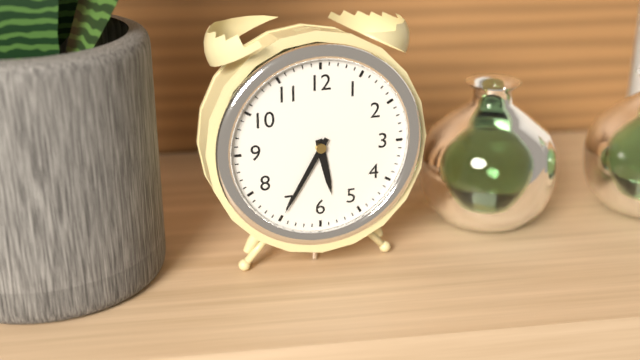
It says 5:35
